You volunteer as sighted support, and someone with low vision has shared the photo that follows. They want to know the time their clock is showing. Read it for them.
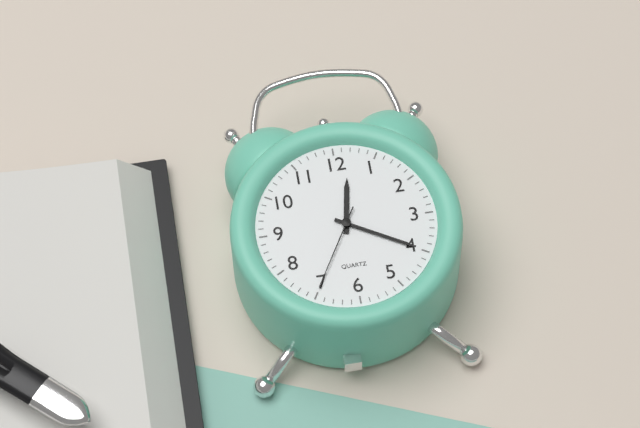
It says 12:20:35
